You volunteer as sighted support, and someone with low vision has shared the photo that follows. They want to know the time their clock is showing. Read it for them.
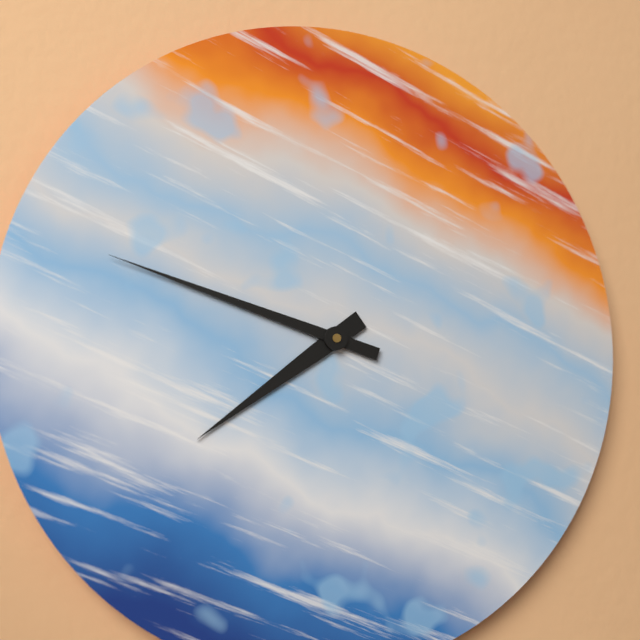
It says 7:48
